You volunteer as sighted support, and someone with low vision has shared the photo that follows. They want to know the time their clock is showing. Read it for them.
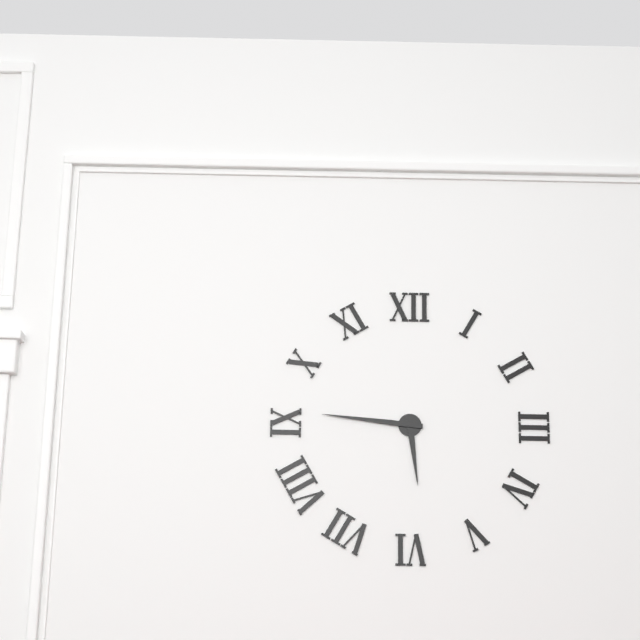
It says 5:46
